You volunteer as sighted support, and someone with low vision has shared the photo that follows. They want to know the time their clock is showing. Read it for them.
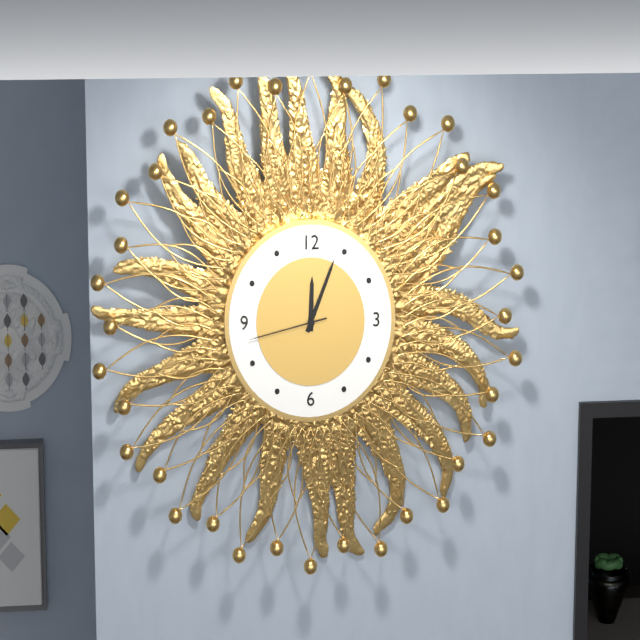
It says 12:04:43
